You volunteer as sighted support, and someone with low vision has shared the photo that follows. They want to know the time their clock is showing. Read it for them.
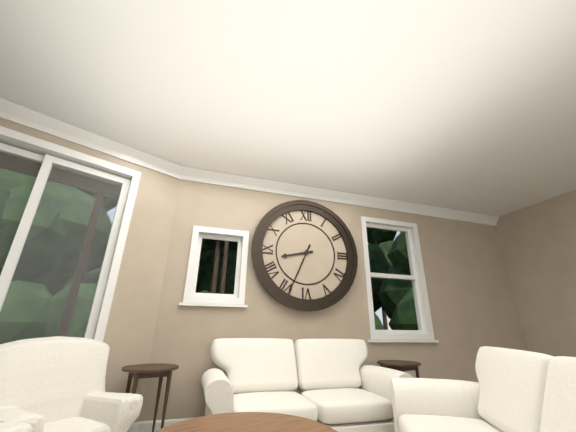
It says 8:34
